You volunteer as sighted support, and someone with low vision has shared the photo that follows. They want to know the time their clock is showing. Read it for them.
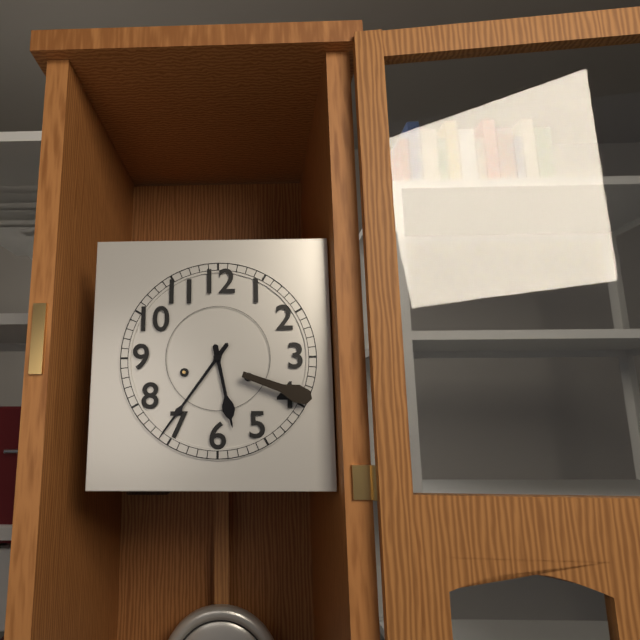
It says 5:36
